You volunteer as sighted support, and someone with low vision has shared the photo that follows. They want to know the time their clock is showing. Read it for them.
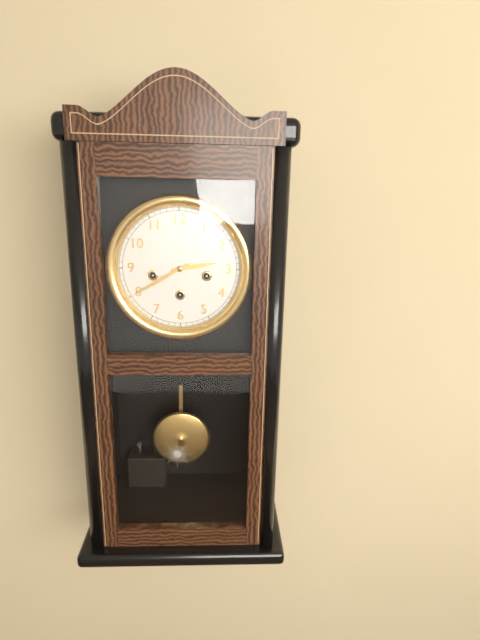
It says 2:40
